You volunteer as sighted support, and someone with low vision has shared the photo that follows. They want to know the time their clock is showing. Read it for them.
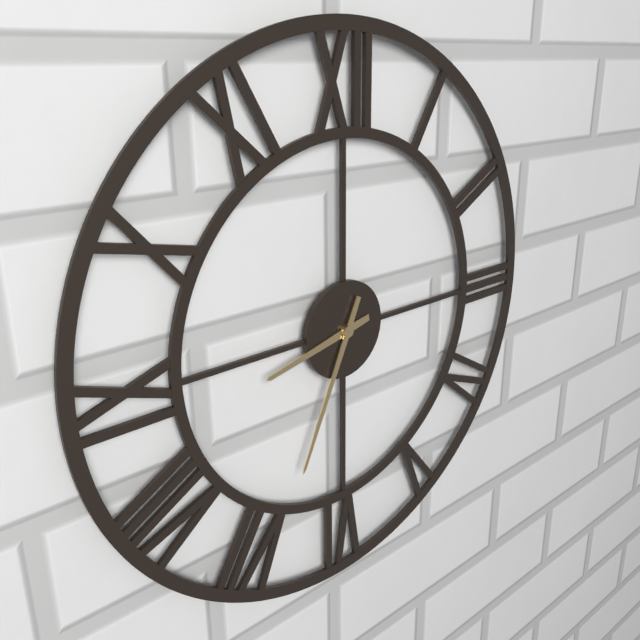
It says 8:34
